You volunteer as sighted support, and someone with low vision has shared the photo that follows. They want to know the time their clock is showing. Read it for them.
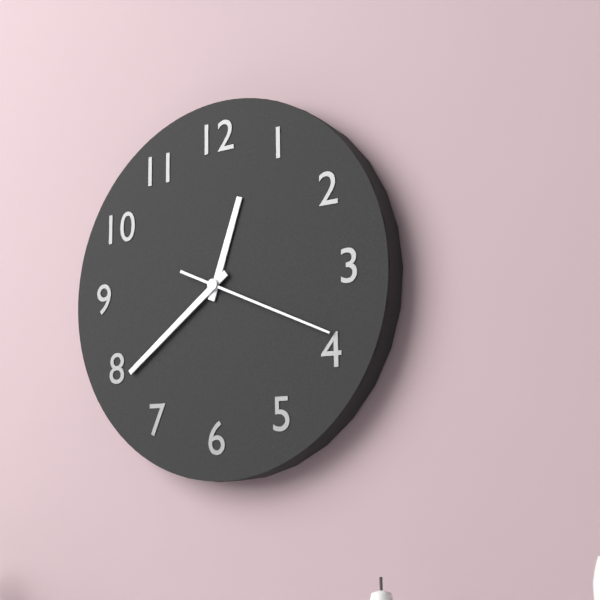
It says 12:39:19
